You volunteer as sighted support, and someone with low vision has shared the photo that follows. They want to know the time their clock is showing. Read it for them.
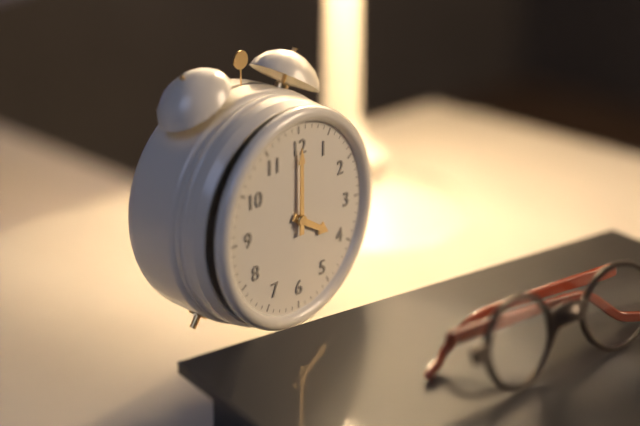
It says 4:00
